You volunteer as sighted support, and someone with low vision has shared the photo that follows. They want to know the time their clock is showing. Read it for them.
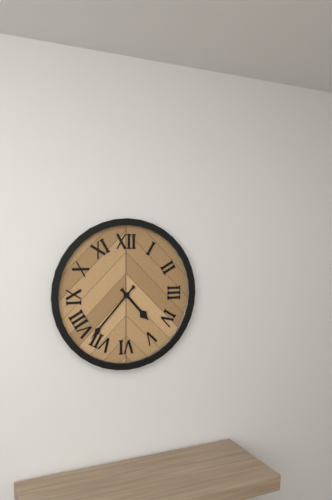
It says 4:37
